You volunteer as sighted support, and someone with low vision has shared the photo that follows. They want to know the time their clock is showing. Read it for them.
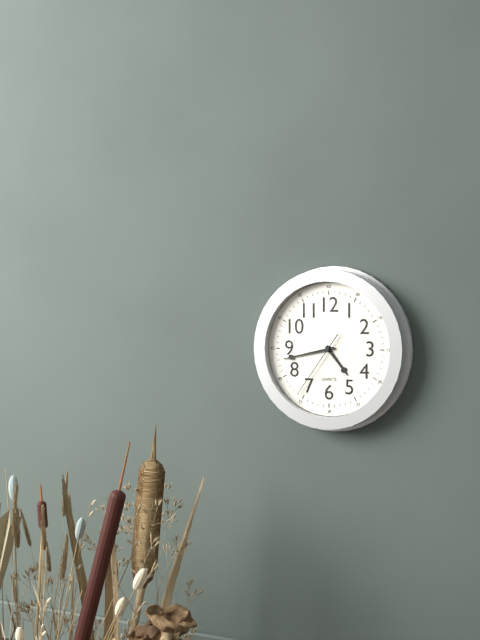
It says 4:43:36
